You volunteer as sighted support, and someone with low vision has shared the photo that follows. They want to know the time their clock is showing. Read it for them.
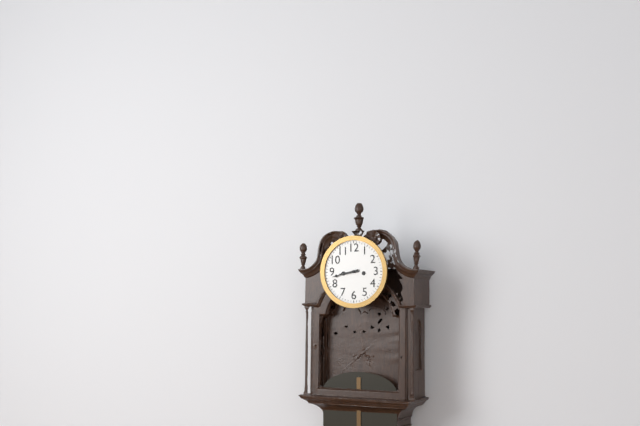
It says 8:43
